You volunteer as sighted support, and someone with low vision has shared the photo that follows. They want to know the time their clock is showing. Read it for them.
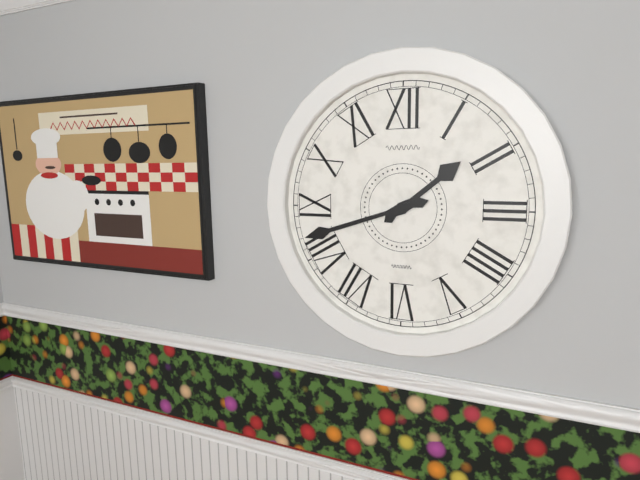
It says 1:42
